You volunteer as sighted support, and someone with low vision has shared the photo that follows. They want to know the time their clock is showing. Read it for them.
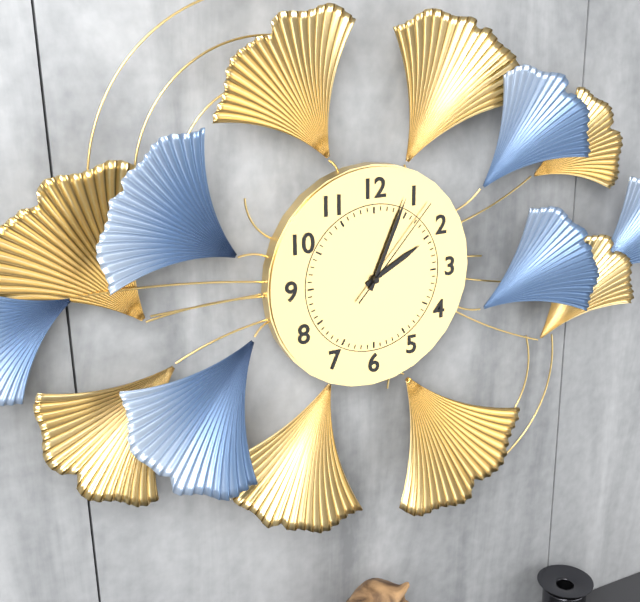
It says 2:04:07
